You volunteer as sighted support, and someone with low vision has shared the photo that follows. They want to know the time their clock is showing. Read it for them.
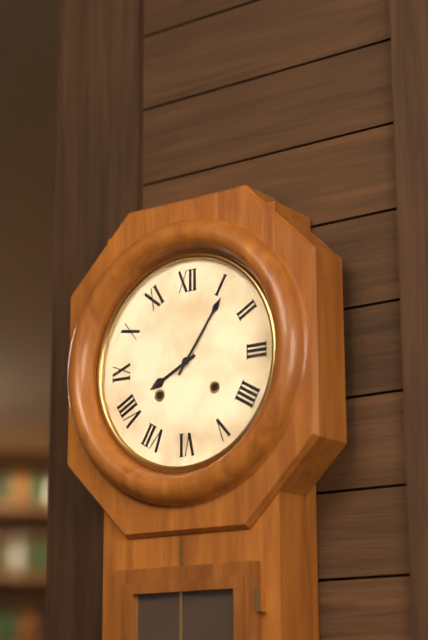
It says 8:06
